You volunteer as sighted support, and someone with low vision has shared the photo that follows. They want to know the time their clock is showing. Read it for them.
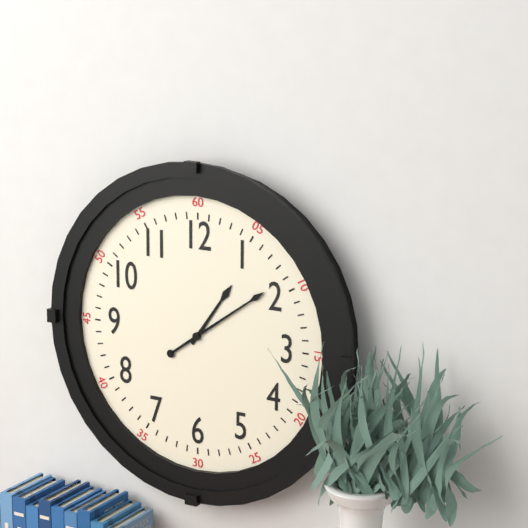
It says 1:09
